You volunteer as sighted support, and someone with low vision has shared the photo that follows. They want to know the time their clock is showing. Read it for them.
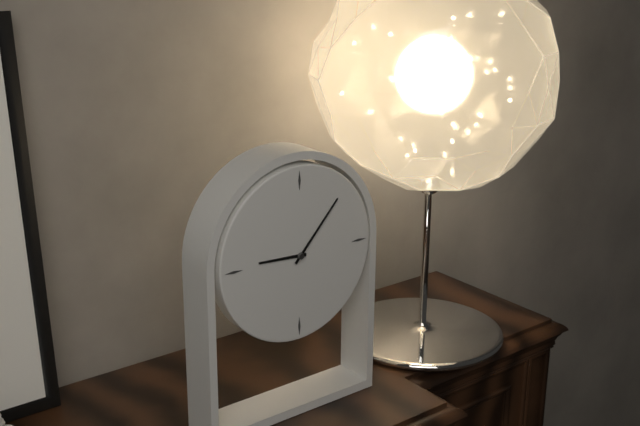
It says 9:07
